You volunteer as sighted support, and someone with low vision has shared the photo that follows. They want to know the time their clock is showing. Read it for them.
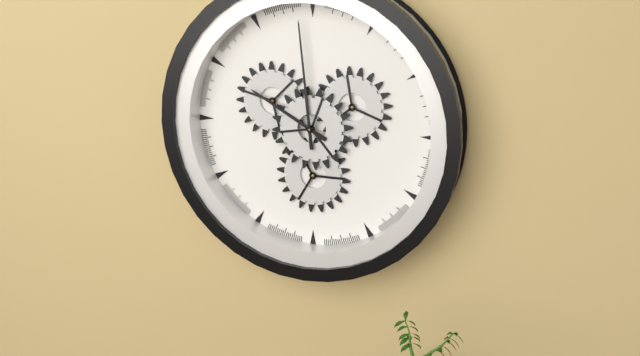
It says 9:59
